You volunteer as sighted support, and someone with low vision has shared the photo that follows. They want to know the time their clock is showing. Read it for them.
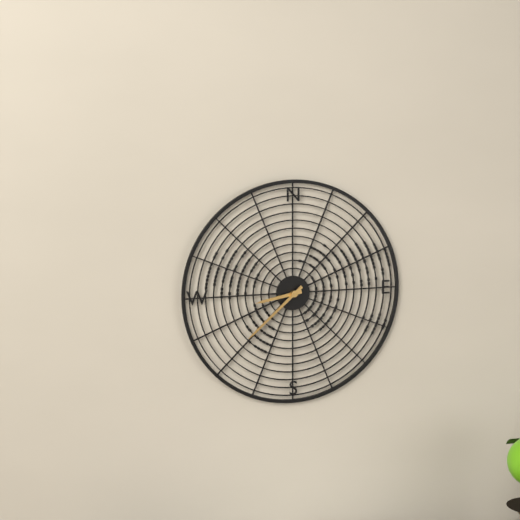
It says 8:38
